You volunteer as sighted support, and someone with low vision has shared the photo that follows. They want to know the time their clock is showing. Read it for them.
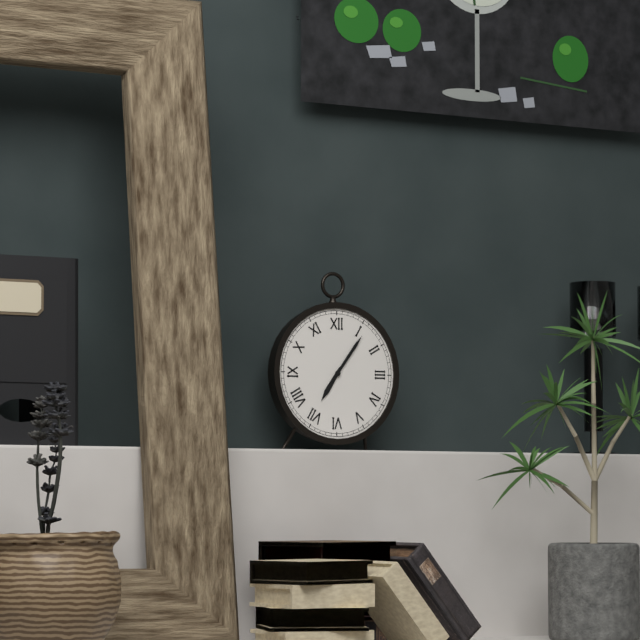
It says 7:06
